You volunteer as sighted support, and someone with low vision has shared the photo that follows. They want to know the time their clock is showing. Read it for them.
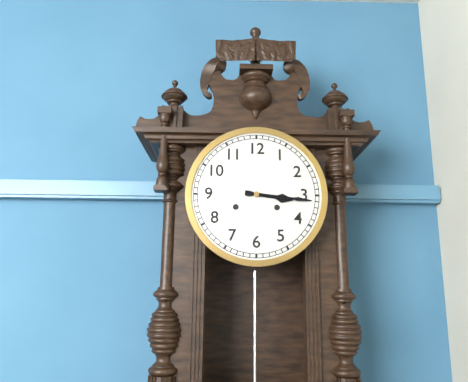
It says 3:16
